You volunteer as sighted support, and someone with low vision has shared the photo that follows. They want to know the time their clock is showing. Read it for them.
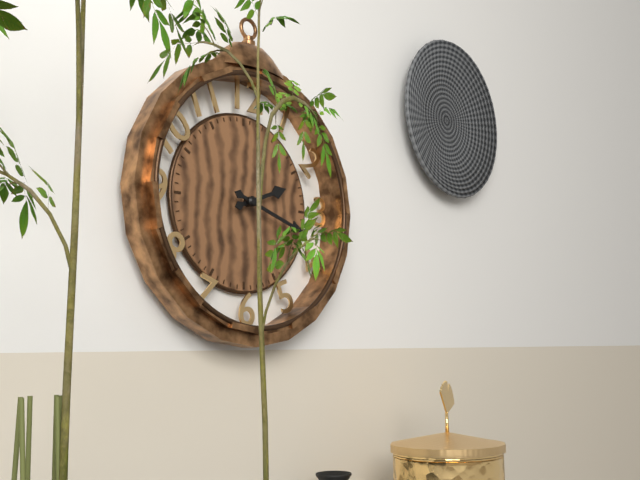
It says 2:18
